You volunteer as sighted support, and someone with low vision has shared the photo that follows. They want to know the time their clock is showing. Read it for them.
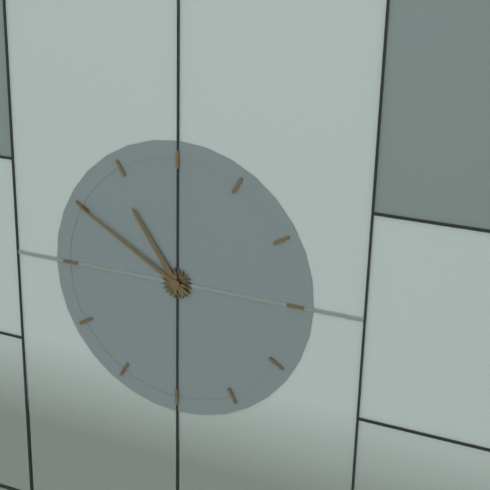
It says 10:50
